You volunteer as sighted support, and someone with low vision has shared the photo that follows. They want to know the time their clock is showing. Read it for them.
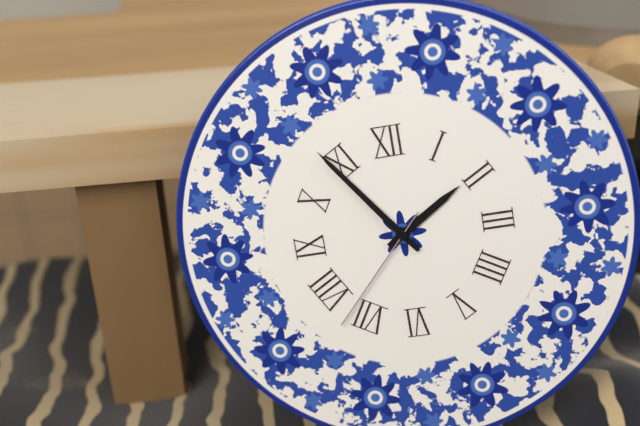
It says 1:54:37
